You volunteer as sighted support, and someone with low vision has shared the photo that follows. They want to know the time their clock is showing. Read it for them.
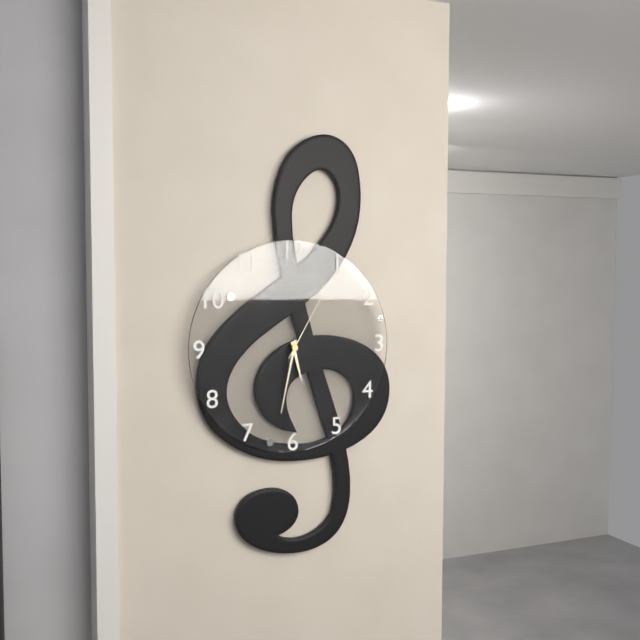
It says 5:32:05
